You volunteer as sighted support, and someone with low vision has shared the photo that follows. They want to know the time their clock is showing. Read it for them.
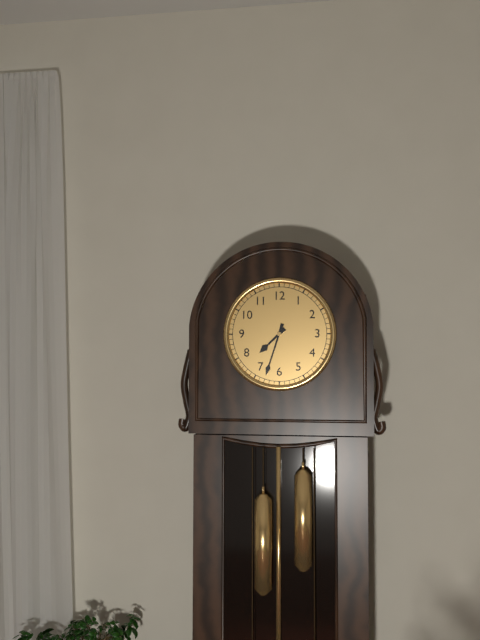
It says 7:33
